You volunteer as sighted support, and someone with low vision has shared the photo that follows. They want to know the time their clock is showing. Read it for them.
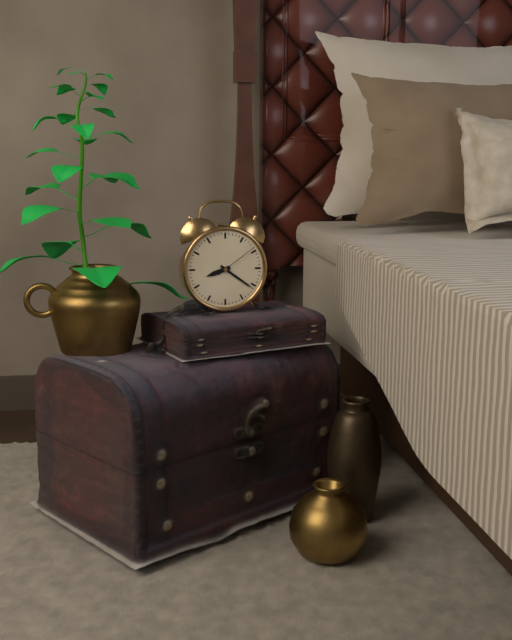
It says 8:21
